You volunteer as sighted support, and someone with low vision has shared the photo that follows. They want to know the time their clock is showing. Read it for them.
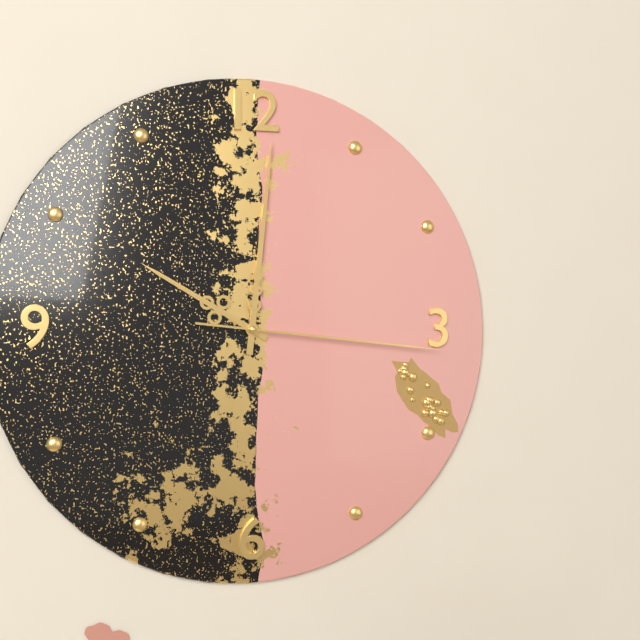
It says 10:01:16
